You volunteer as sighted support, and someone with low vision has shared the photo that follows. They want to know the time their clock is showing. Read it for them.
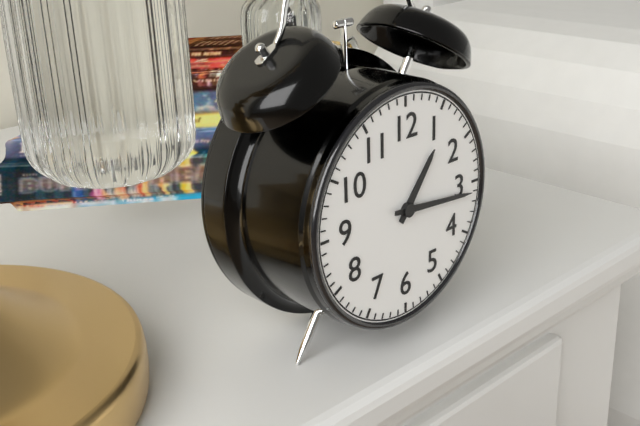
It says 1:16
